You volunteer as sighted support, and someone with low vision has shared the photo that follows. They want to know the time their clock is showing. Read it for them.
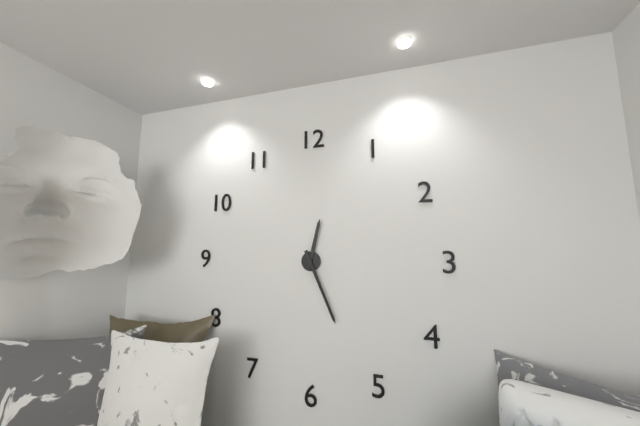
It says 12:26
